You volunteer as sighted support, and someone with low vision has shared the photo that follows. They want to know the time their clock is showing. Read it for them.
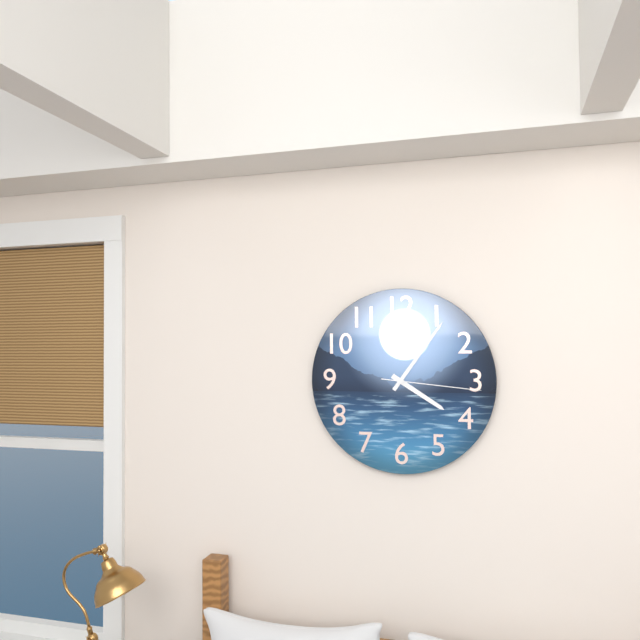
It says 4:06:16
